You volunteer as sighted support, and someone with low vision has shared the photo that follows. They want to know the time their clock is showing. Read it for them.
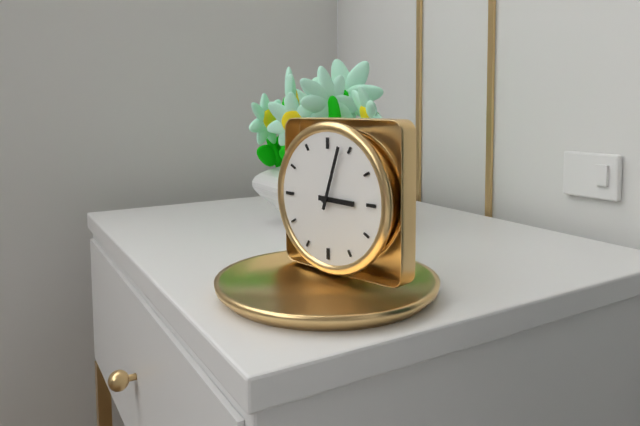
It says 3:03
